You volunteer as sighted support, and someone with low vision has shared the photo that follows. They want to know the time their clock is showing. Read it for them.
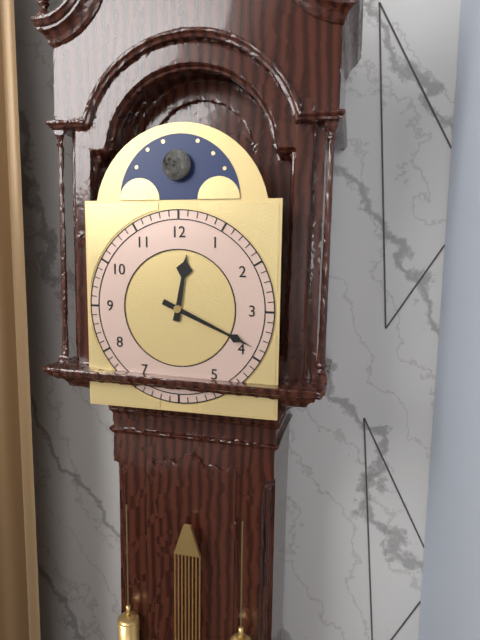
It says 12:19
